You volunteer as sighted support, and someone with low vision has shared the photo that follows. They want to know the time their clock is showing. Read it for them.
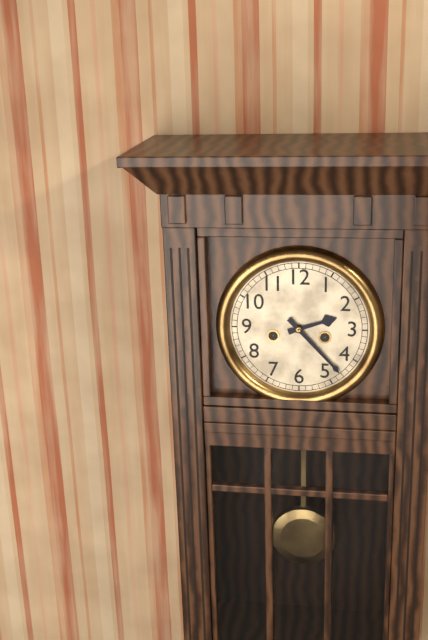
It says 2:23
